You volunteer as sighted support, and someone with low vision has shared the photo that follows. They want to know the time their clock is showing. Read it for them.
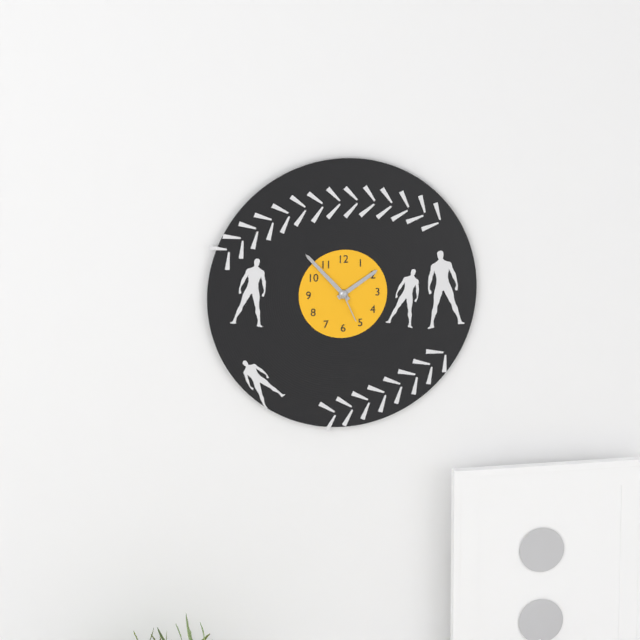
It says 1:53
